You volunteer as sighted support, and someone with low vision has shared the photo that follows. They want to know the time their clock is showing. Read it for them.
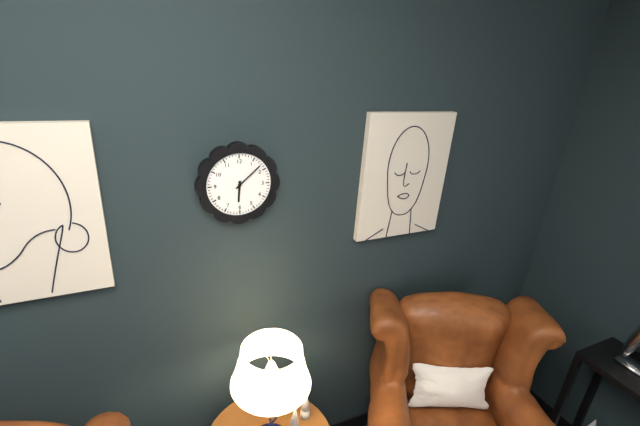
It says 6:08
